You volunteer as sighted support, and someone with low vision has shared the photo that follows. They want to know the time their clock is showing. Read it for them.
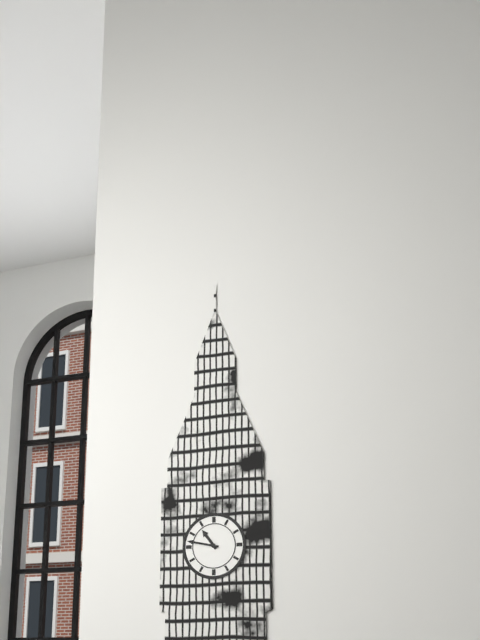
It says 10:47
